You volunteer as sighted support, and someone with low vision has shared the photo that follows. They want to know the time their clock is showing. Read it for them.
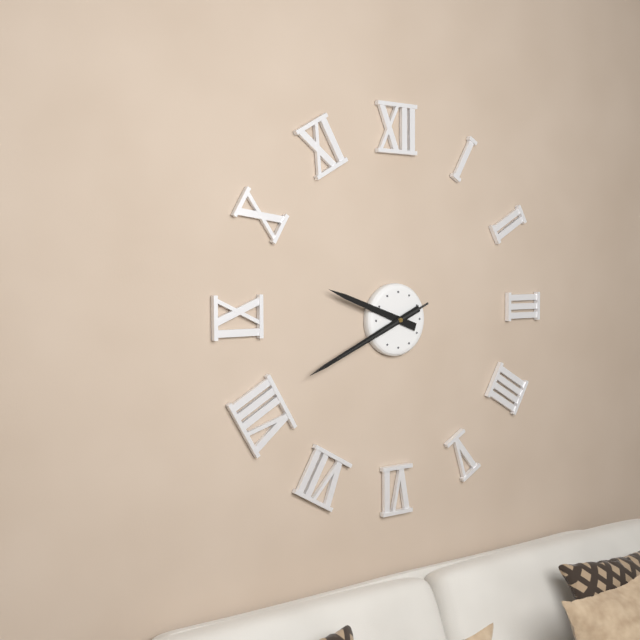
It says 9:41:41
